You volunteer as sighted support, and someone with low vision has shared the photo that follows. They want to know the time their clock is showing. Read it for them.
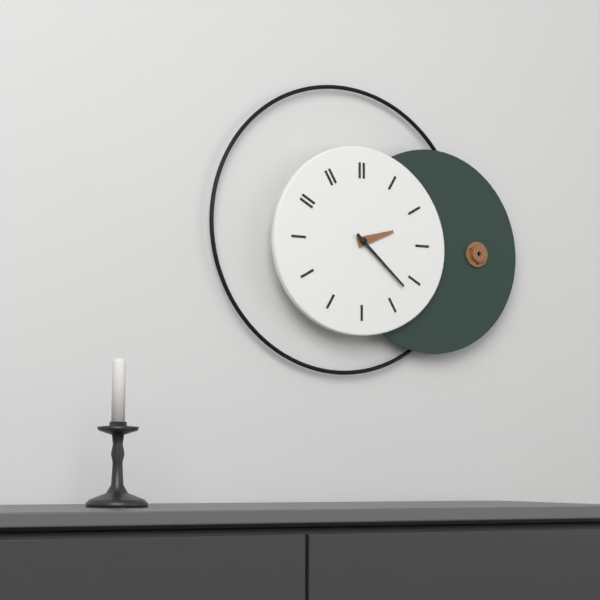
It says 2:22
